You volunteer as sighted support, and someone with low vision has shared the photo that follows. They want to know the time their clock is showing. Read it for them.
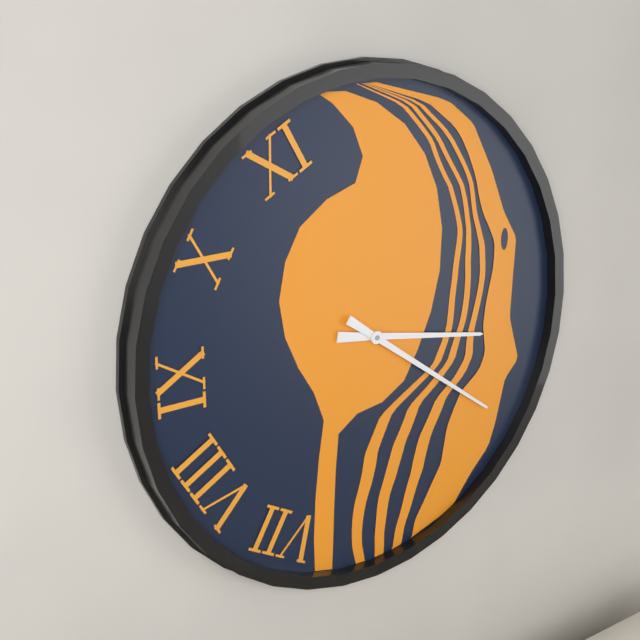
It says 3:21
